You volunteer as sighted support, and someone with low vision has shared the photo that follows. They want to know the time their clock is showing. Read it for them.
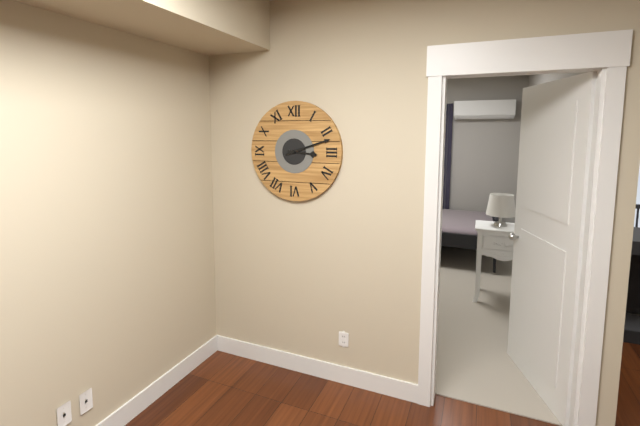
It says 3:12
